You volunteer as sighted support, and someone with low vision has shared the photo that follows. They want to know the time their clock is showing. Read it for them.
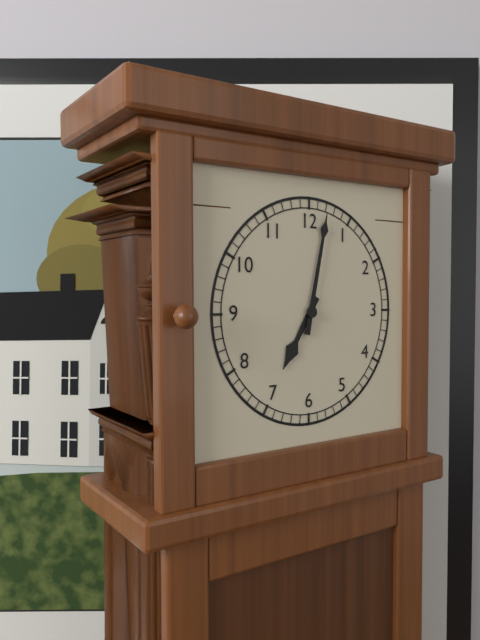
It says 7:02
